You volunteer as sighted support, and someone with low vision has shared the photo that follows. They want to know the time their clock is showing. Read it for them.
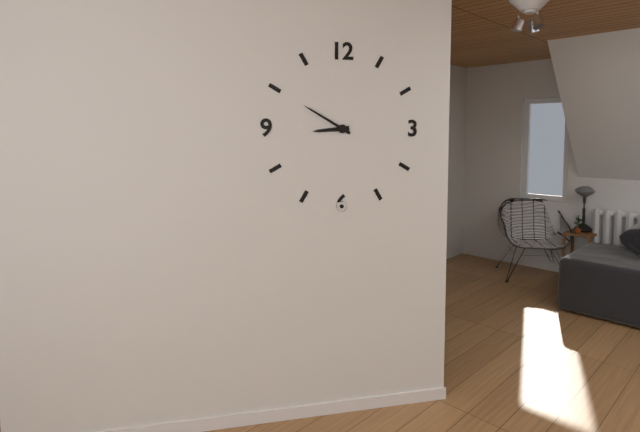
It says 8:50
